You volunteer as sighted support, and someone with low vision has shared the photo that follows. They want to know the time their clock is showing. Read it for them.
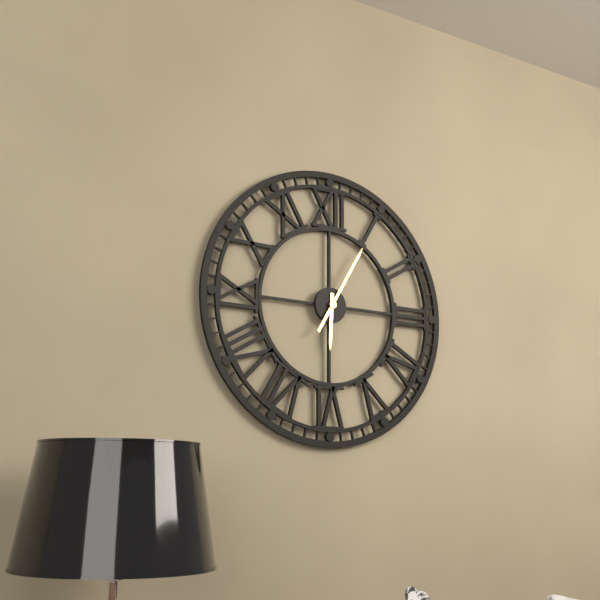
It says 6:05
